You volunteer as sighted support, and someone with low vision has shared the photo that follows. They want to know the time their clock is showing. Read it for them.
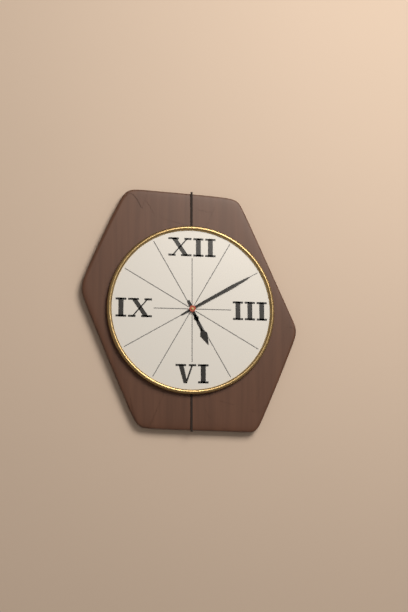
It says 5:10
